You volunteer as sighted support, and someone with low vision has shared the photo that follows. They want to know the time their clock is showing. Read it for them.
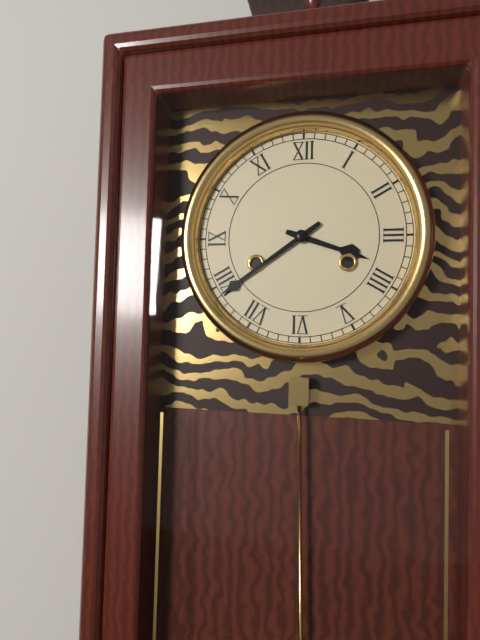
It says 3:39
